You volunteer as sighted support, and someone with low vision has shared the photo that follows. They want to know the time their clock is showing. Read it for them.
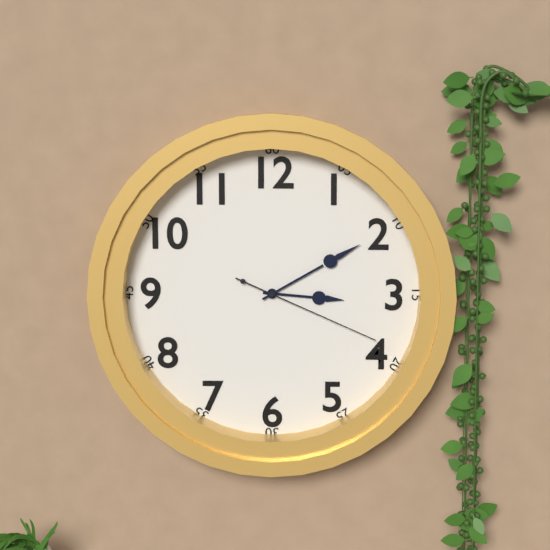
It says 3:10:19
